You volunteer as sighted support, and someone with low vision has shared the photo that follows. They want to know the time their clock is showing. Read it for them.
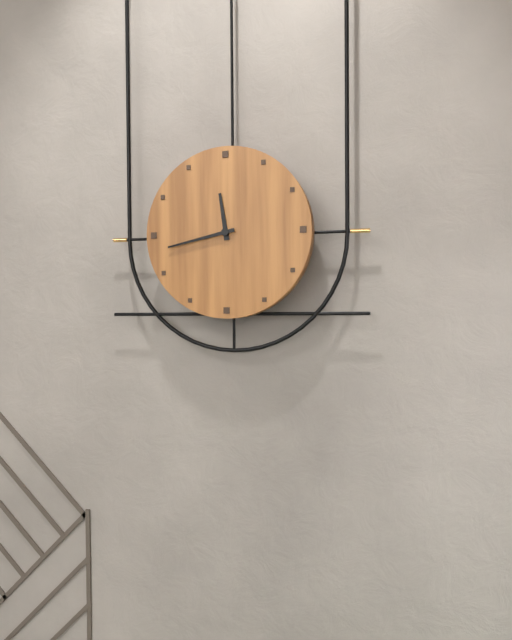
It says 11:43
